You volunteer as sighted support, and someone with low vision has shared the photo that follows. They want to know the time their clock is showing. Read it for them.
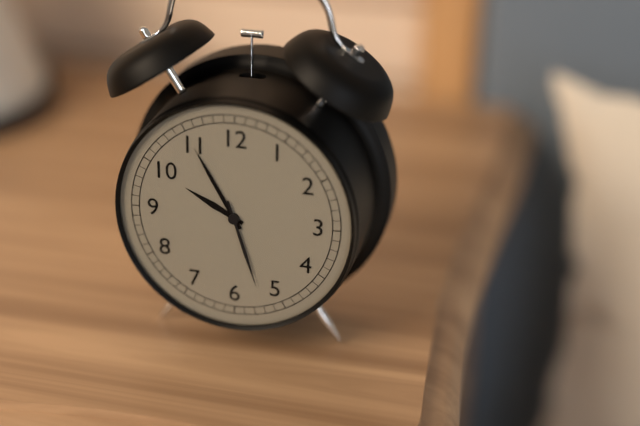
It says 9:55:27
